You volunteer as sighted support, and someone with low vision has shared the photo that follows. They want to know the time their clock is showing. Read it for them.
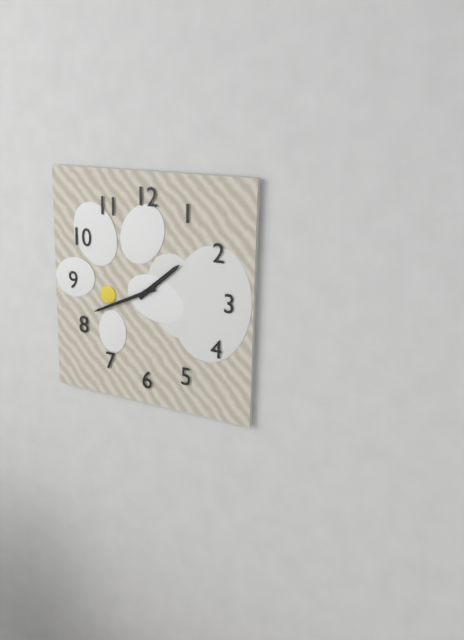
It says 1:41
